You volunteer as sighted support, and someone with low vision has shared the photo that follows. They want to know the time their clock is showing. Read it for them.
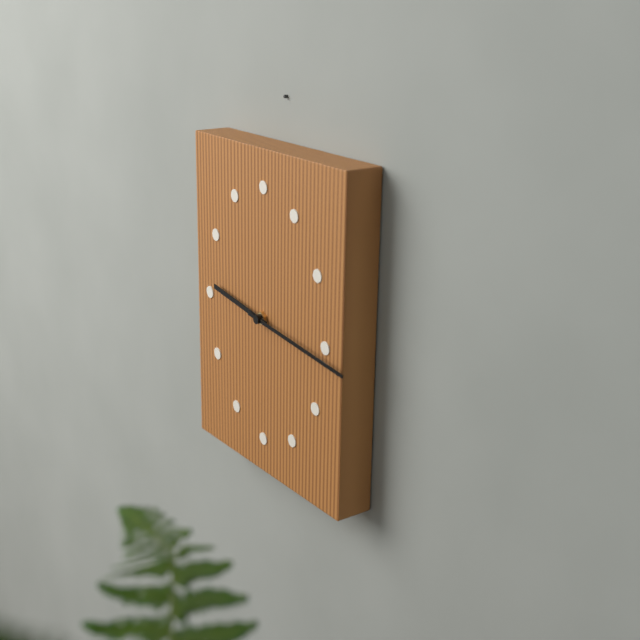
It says 9:16
